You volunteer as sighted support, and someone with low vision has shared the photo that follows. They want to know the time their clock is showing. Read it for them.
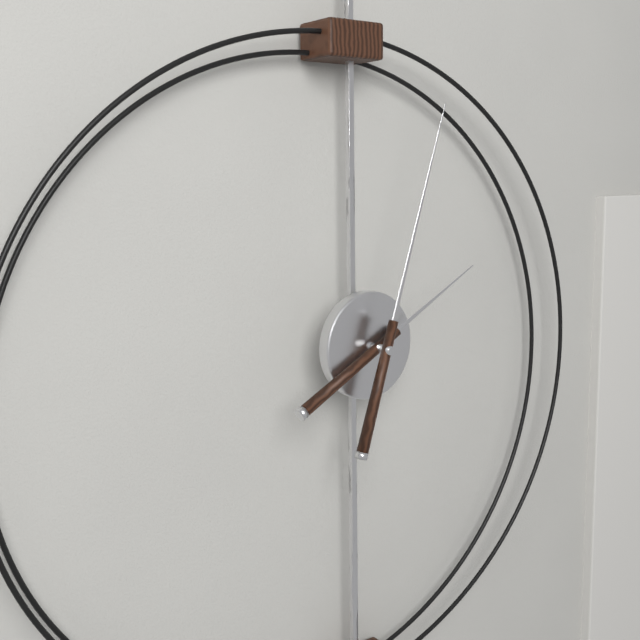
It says 2:03
